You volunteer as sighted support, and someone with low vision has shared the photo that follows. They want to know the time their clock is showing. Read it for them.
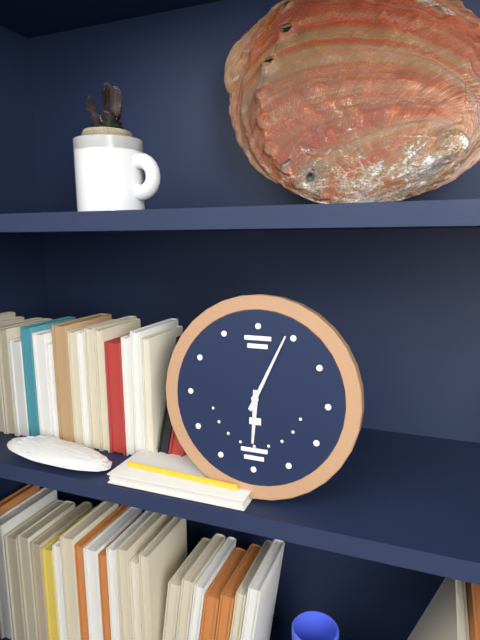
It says 6:04
